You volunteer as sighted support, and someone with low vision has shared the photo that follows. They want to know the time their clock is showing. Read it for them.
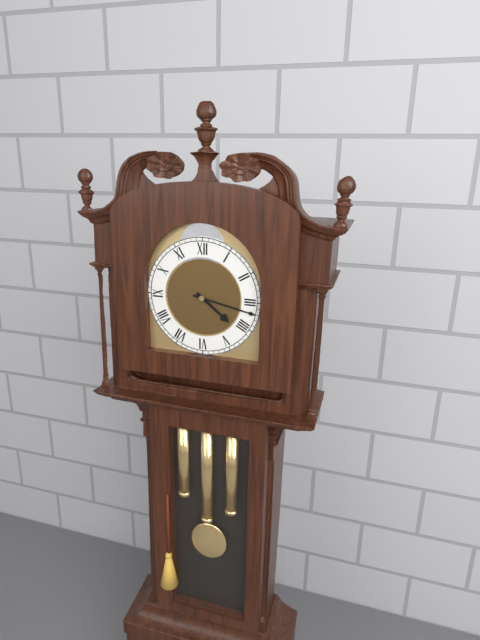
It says 4:17
